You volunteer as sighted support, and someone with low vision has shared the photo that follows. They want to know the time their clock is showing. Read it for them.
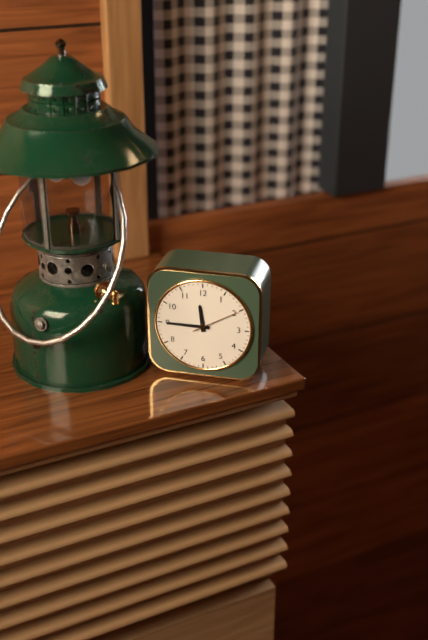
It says 11:45
